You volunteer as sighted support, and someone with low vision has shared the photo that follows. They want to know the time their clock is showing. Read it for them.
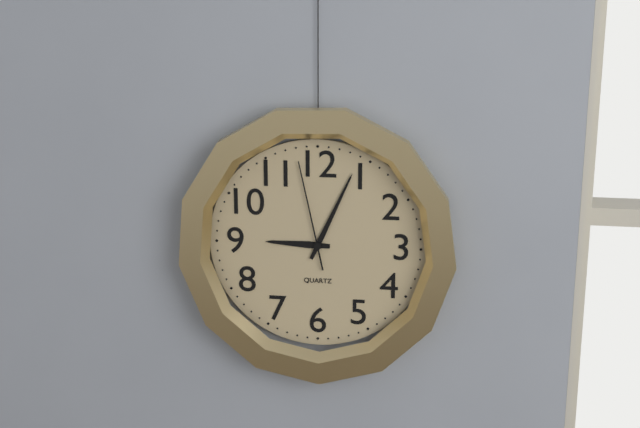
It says 9:04:58
